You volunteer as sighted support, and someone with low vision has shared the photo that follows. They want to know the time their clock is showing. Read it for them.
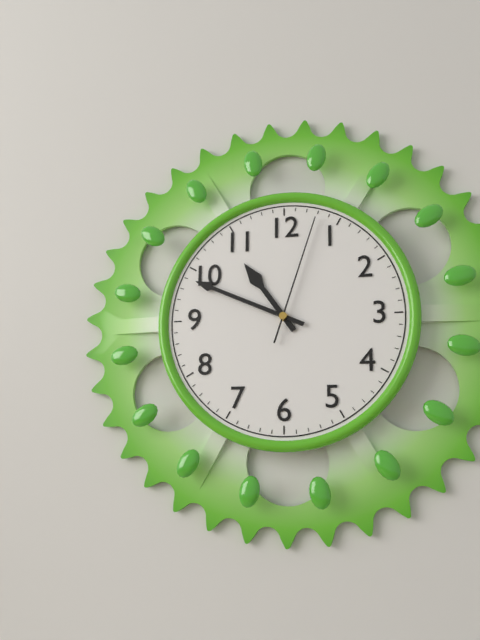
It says 10:49:03
